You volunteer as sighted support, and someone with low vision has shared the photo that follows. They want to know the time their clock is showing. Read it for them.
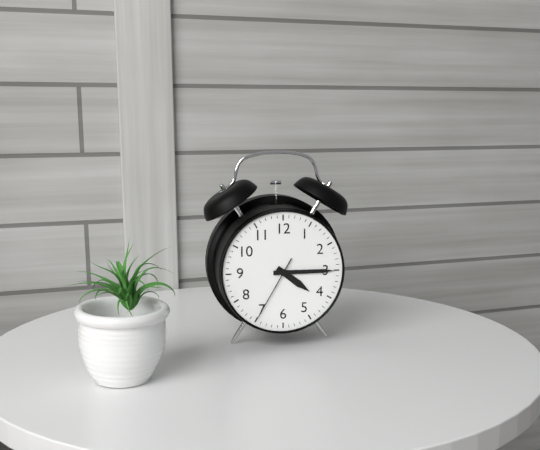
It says 4:15:35
